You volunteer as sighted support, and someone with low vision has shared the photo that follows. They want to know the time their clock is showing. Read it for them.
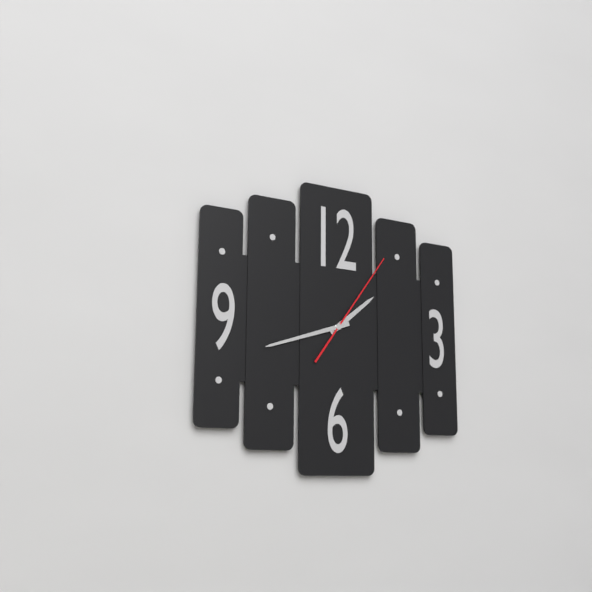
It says 1:42:06
